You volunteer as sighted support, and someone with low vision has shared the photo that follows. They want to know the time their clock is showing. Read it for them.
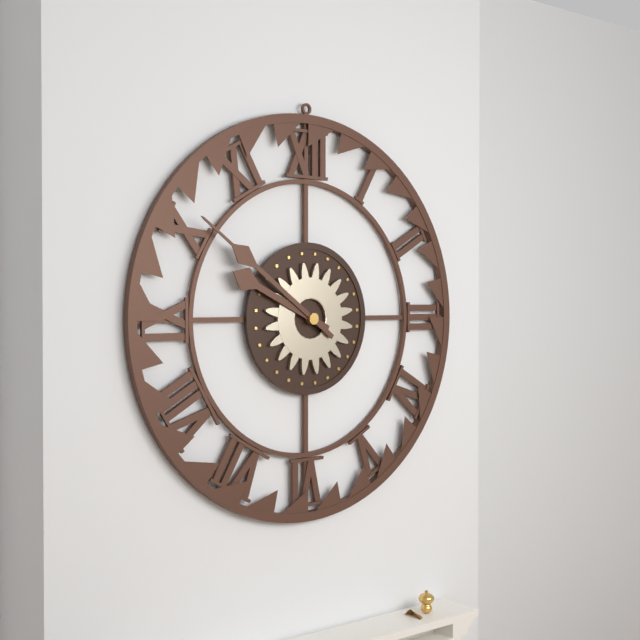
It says 9:51
